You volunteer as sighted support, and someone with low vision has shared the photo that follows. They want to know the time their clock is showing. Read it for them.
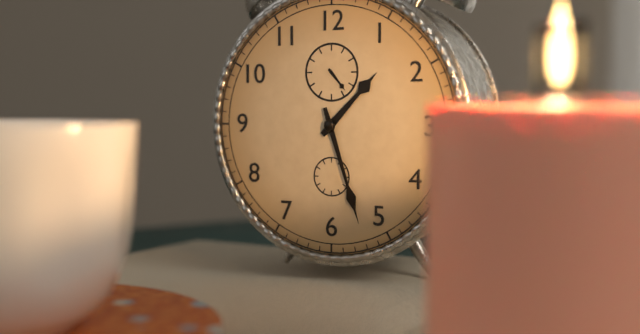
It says 1:27
